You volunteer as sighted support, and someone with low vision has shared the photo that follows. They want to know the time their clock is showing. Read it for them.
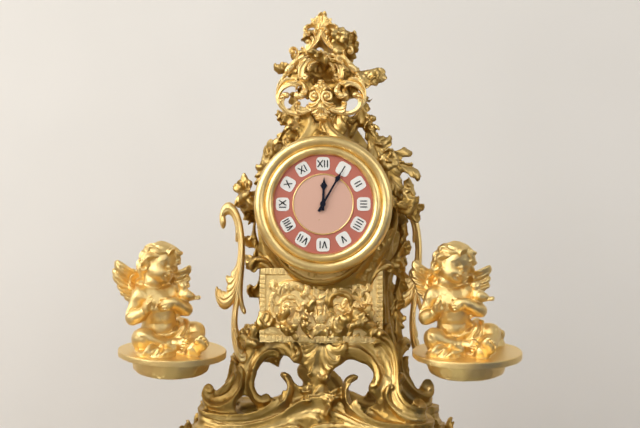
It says 12:05
